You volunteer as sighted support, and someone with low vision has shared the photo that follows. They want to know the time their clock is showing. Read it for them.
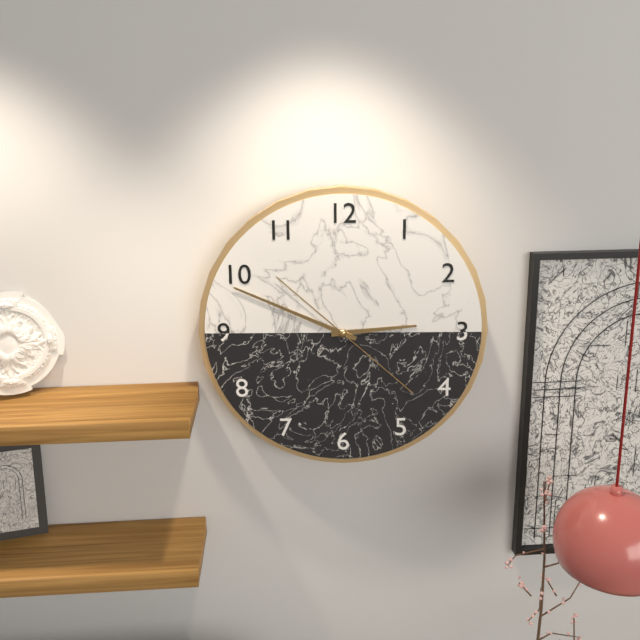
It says 2:49:22
